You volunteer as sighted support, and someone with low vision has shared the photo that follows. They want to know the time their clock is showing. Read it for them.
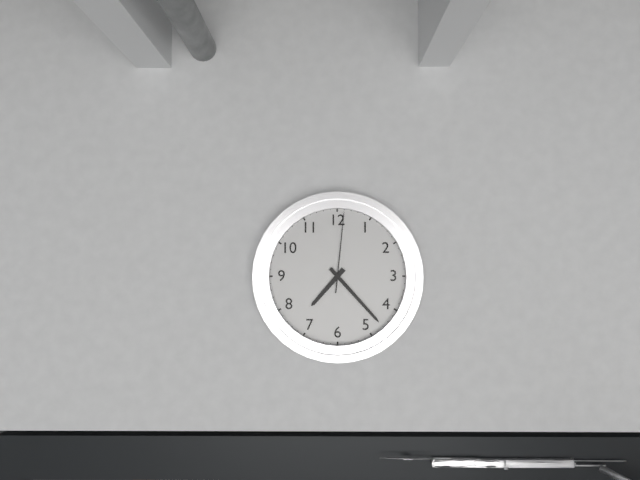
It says 7:23:01
